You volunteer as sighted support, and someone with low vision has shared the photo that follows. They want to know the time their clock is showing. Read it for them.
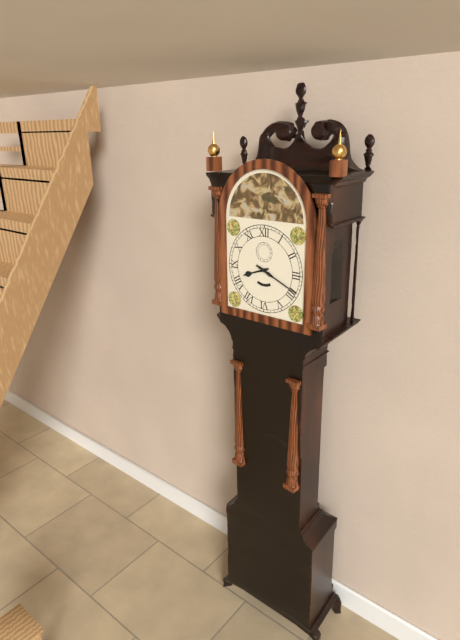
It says 8:19
